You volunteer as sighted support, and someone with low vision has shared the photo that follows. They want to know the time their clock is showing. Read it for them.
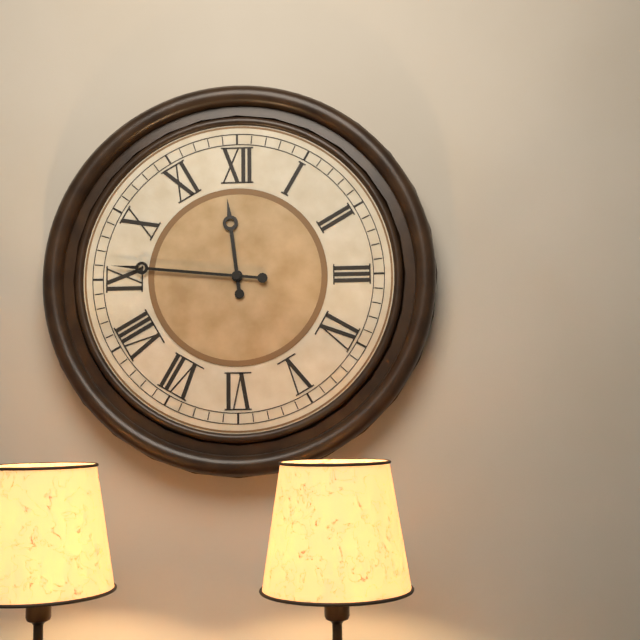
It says 11:46
